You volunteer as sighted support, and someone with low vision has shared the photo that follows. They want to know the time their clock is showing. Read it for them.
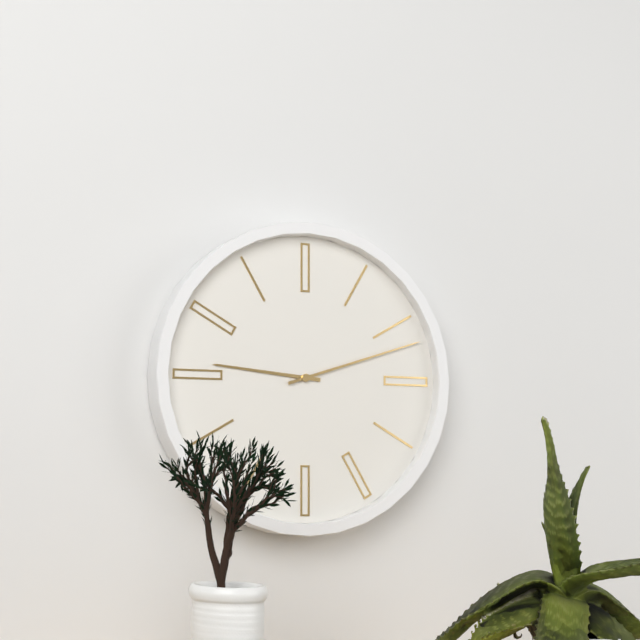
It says 9:12
